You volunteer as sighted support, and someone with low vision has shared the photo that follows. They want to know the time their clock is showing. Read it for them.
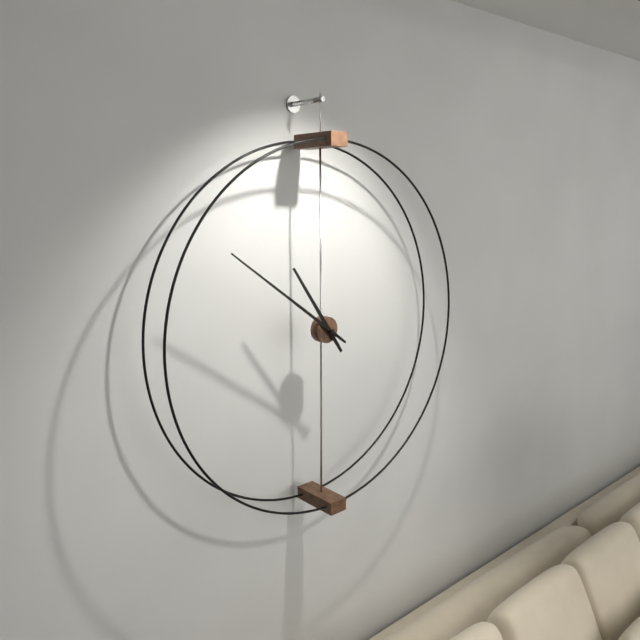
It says 10:51
